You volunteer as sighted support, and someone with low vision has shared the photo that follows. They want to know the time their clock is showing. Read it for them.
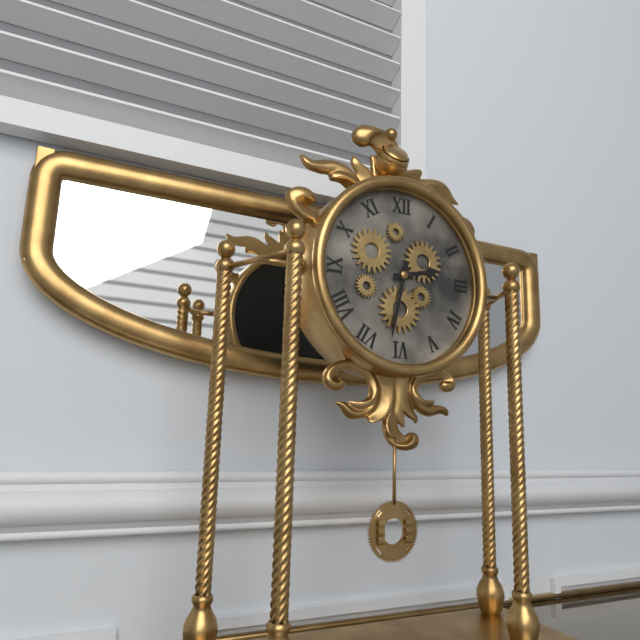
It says 2:32
